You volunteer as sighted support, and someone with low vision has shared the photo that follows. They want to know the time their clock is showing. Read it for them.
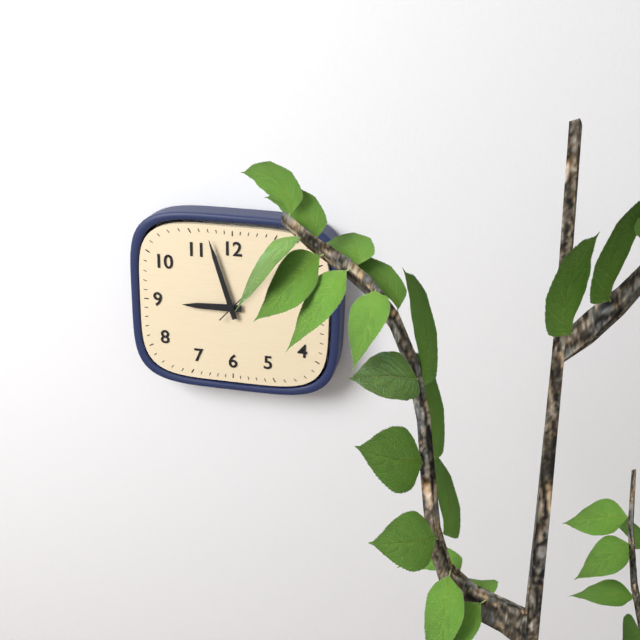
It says 8:57:07
